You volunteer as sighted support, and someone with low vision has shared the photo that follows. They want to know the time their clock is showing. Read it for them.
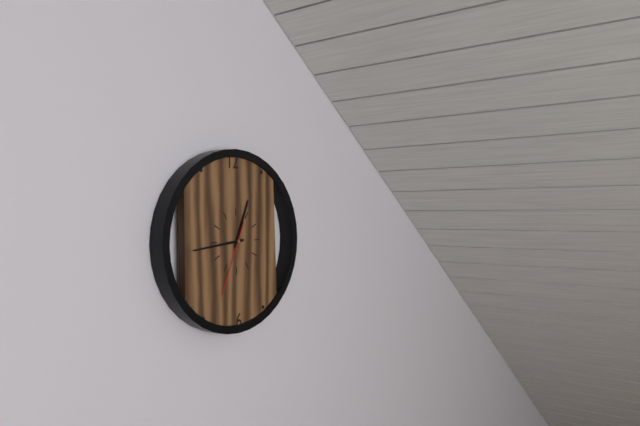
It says 12:44:34
